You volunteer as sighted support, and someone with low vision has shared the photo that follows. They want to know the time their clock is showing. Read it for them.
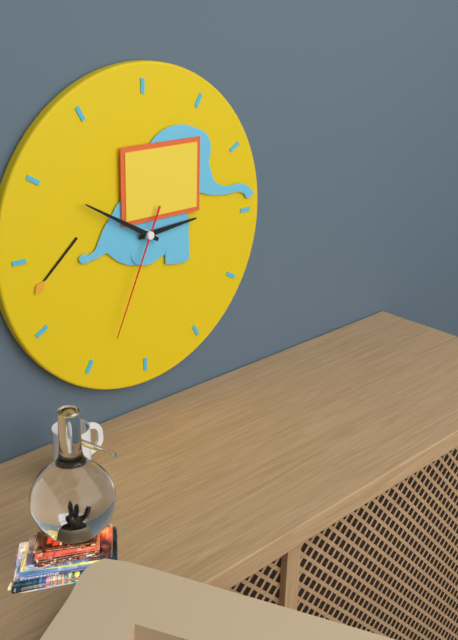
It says 2:50:34
